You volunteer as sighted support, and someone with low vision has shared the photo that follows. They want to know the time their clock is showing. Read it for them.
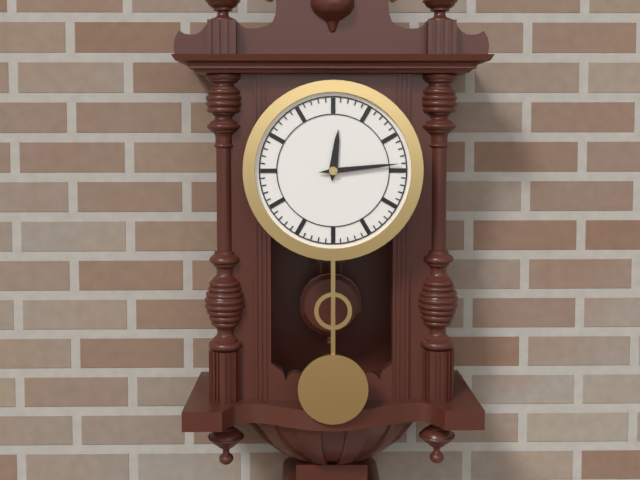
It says 12:14
